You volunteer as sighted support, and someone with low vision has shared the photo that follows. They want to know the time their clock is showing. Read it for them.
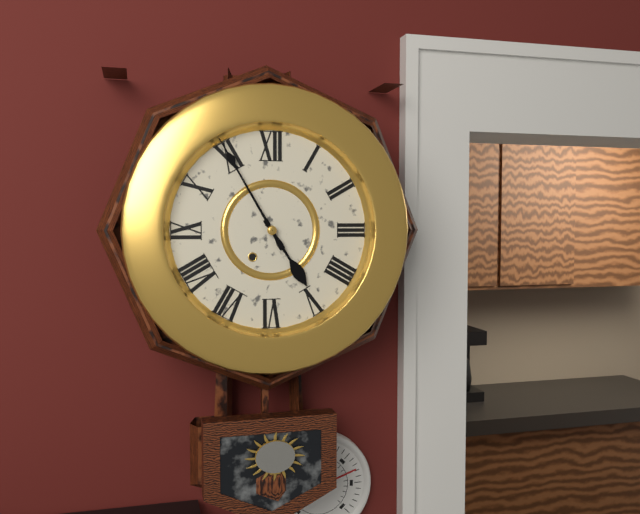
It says 4:55
